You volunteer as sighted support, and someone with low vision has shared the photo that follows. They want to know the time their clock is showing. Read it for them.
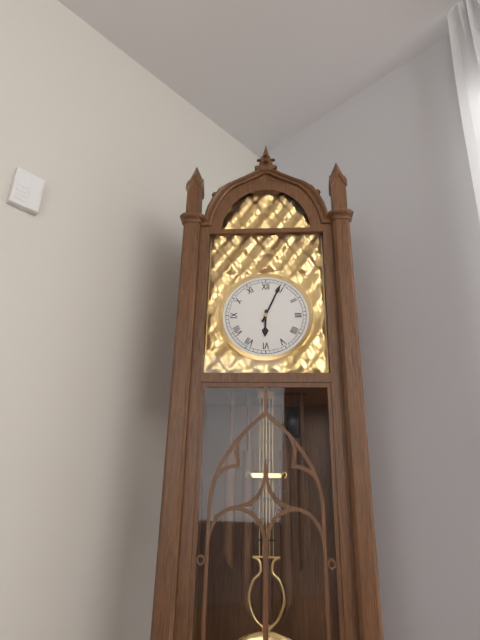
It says 6:04
